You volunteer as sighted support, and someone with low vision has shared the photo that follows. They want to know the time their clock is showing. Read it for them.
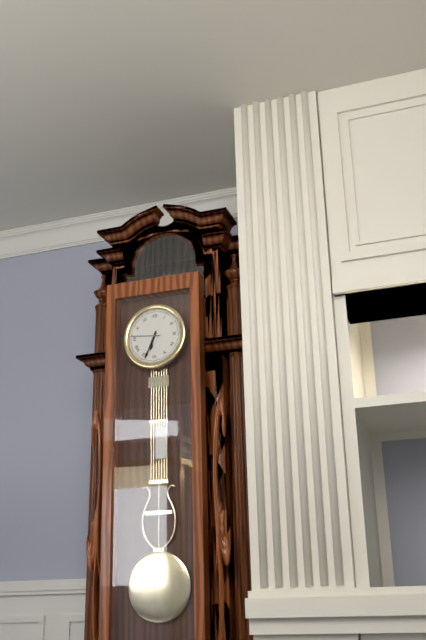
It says 6:34
